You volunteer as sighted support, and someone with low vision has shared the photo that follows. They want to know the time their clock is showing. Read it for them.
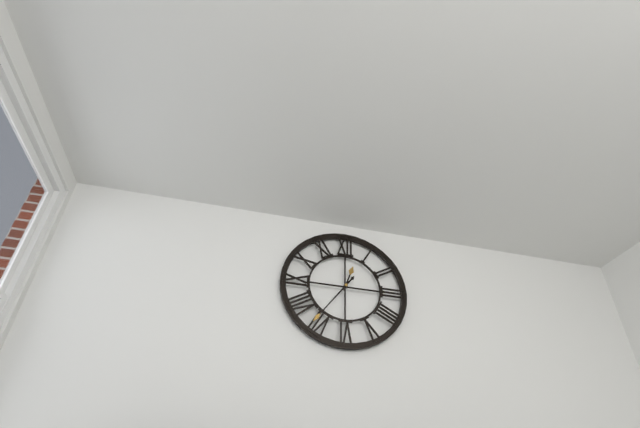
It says 12:36
